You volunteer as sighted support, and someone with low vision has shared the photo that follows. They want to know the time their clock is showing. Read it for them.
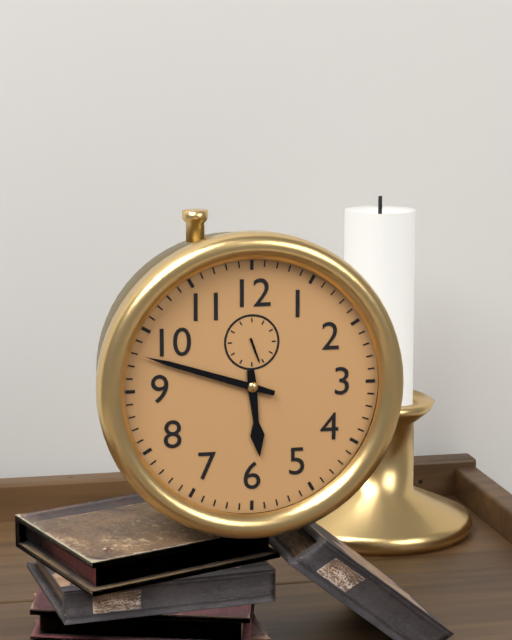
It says 5:48
